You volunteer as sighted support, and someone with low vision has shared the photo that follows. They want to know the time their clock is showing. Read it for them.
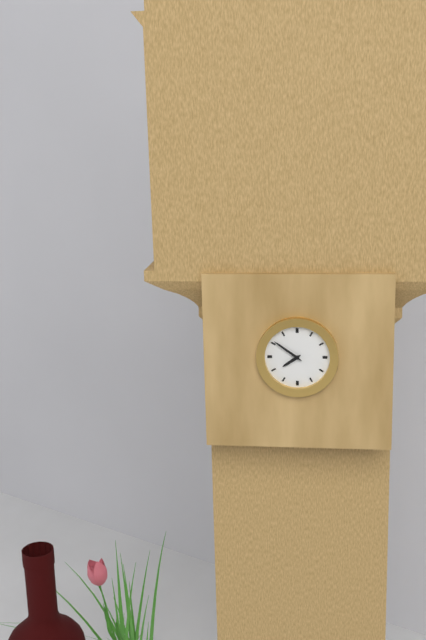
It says 7:51
